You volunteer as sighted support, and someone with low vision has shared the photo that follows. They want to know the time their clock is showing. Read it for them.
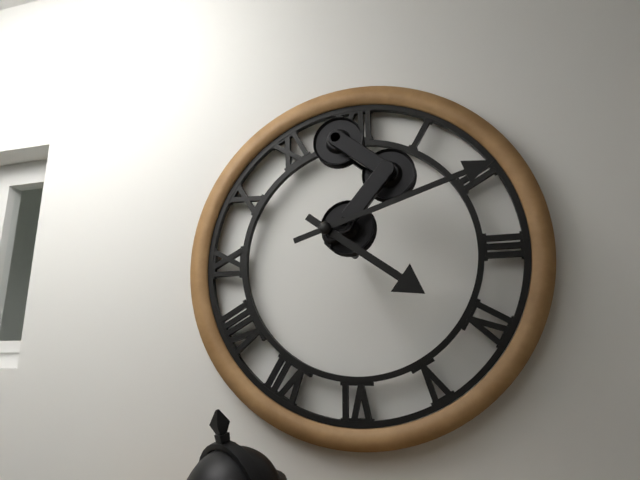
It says 4:12
